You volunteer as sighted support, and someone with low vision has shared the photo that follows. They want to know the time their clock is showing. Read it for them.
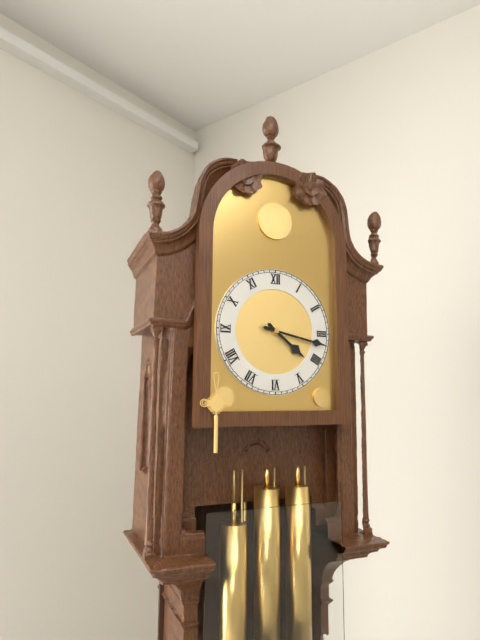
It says 4:17
